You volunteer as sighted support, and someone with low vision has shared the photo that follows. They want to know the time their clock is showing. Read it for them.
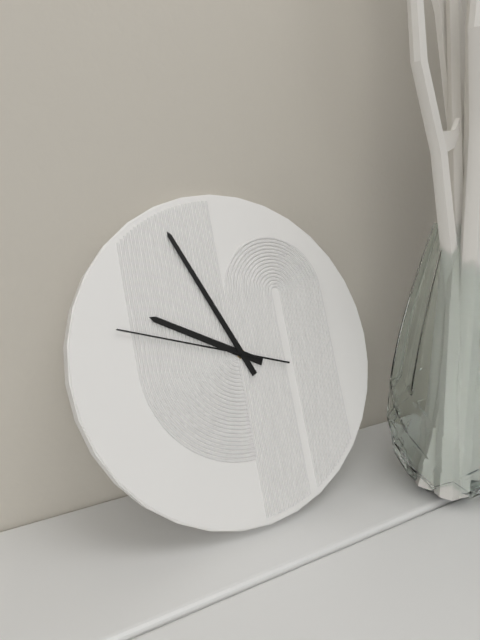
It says 9:56:48
